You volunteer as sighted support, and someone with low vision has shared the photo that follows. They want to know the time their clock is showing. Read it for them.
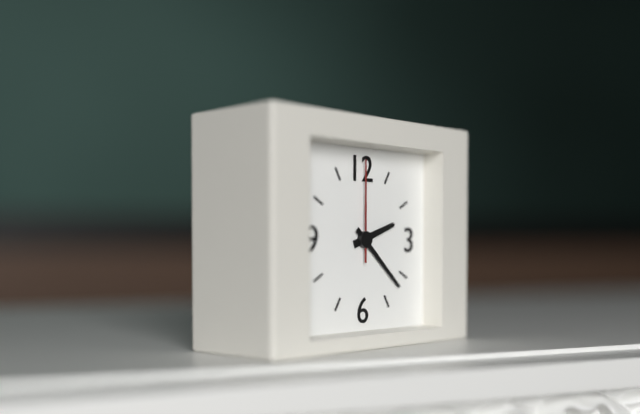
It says 2:22:00
